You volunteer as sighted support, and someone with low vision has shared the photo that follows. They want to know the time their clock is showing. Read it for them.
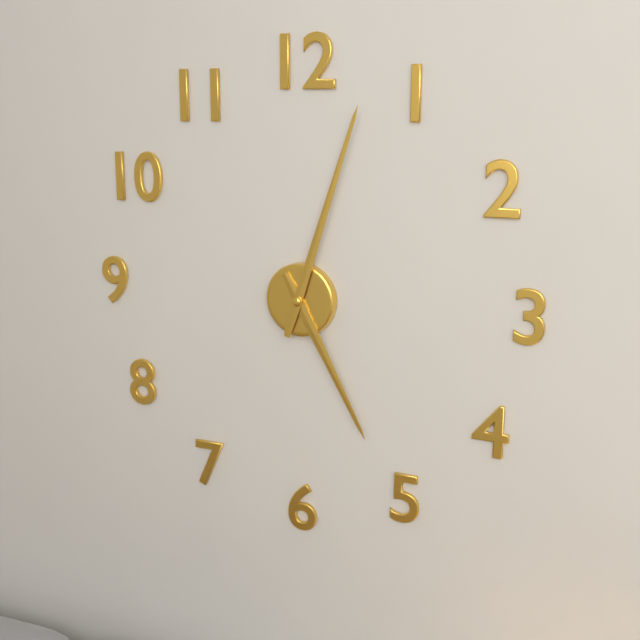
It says 5:03
